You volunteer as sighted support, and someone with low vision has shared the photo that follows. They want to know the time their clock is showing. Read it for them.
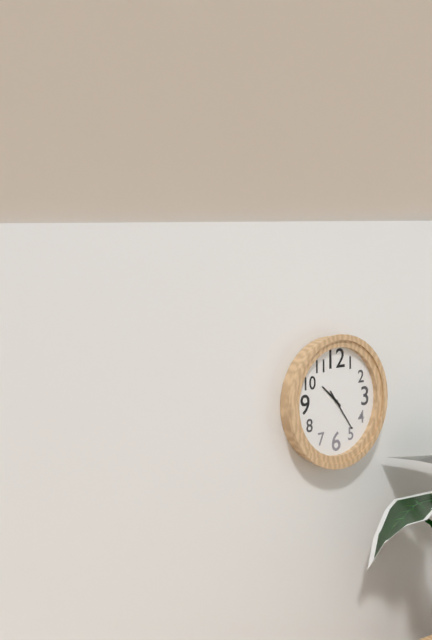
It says 10:24
